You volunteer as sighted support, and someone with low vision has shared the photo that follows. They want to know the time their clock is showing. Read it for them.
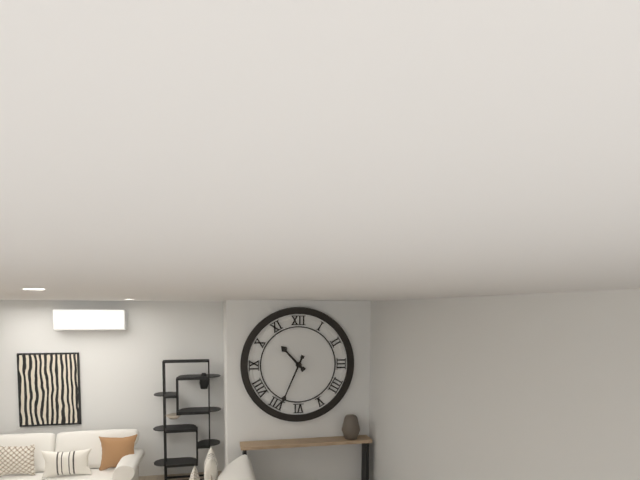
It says 10:34
